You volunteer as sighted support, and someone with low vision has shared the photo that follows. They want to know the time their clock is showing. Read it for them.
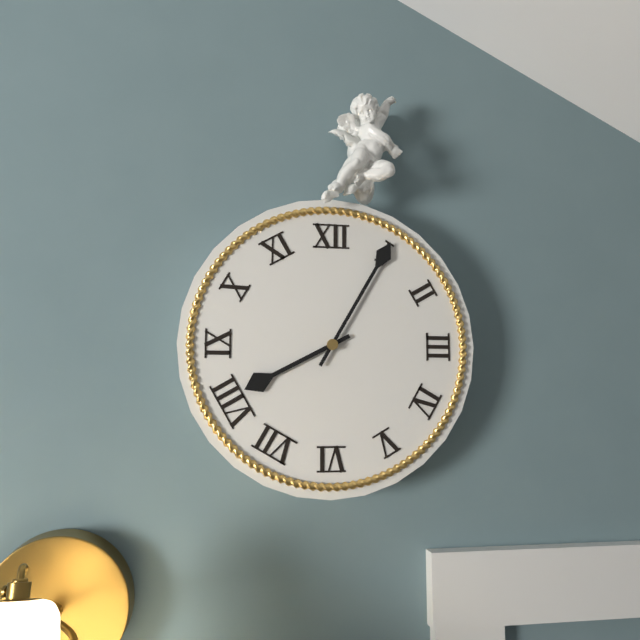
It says 8:05
